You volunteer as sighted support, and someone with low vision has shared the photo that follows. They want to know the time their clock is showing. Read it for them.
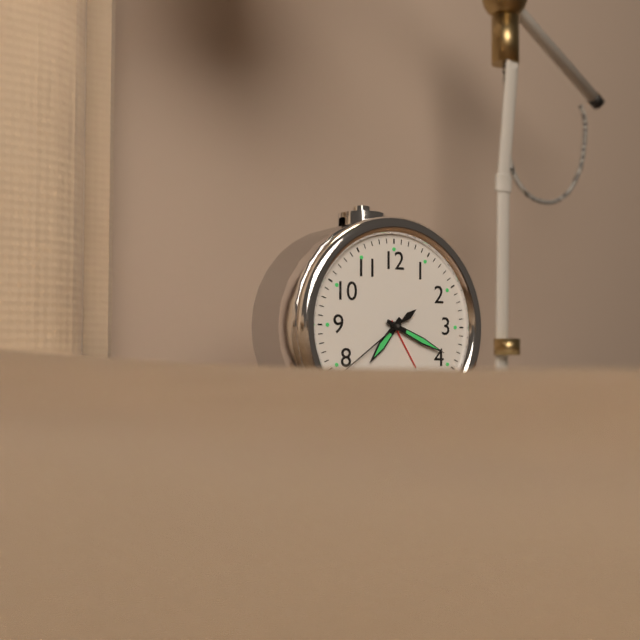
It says 7:19:39
